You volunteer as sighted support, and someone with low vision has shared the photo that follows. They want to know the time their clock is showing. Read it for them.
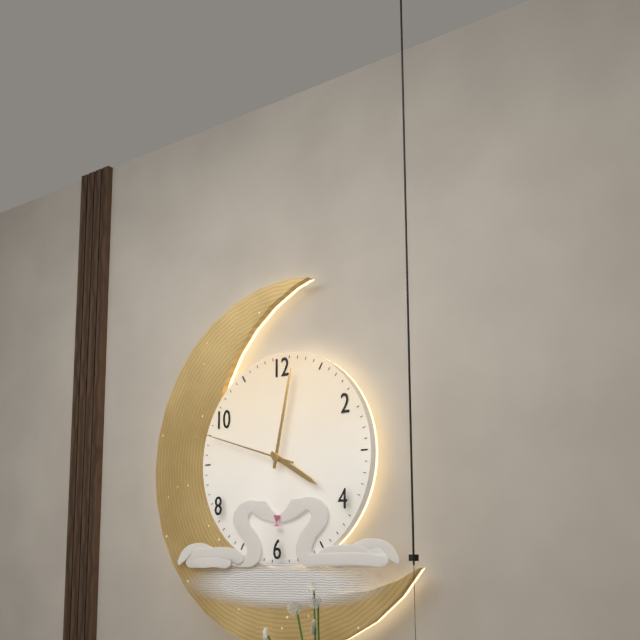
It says 4:02:48
